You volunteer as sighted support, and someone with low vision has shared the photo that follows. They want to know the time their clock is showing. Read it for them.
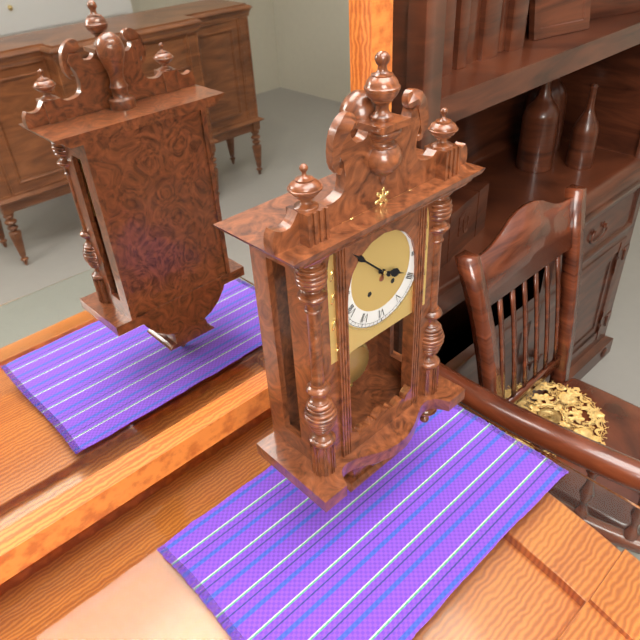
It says 3:52
